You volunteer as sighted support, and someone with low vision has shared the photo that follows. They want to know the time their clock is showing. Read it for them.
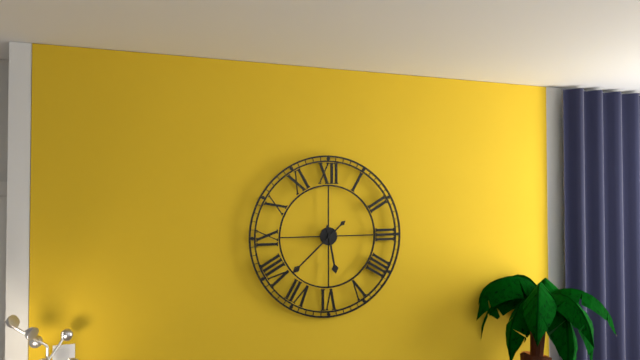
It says 5:38
